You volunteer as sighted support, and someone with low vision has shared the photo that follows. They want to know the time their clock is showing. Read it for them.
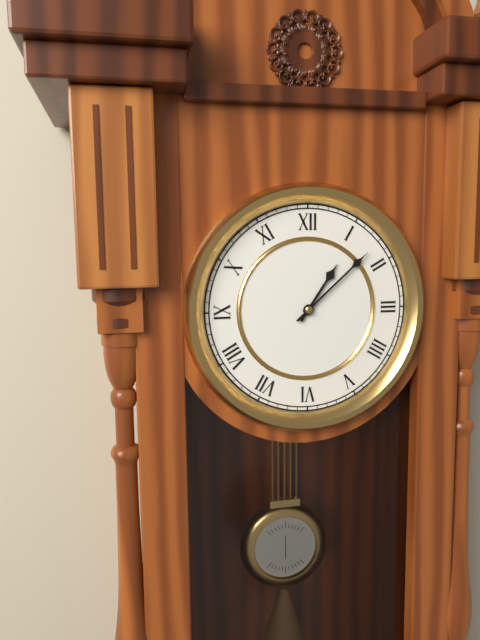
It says 1:08
